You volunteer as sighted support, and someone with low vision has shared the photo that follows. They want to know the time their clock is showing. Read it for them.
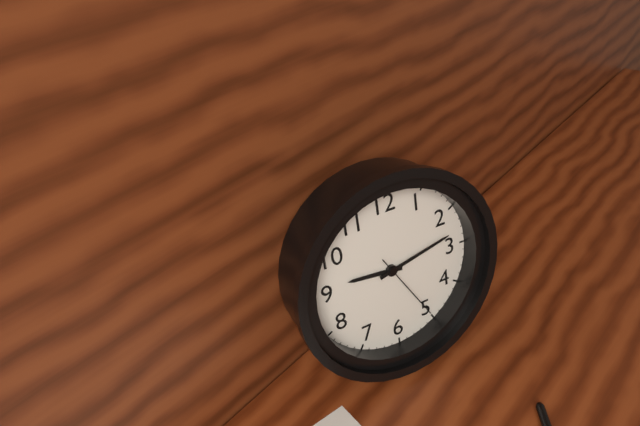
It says 9:13:25
